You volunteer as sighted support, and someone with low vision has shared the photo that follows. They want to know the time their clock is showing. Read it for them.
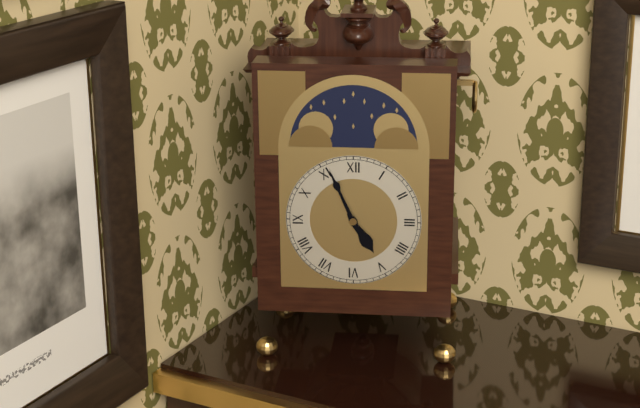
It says 4:56
